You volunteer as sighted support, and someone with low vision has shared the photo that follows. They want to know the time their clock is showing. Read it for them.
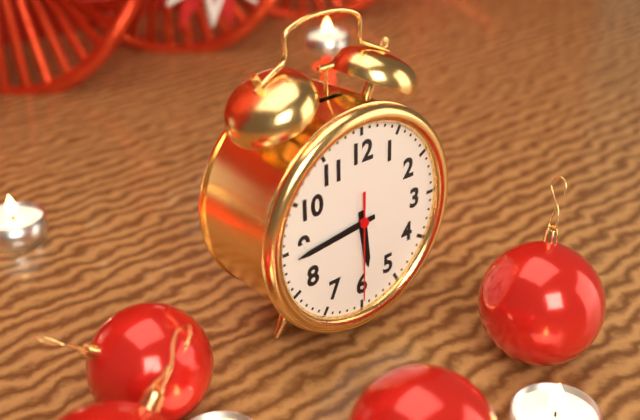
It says 5:44:30
